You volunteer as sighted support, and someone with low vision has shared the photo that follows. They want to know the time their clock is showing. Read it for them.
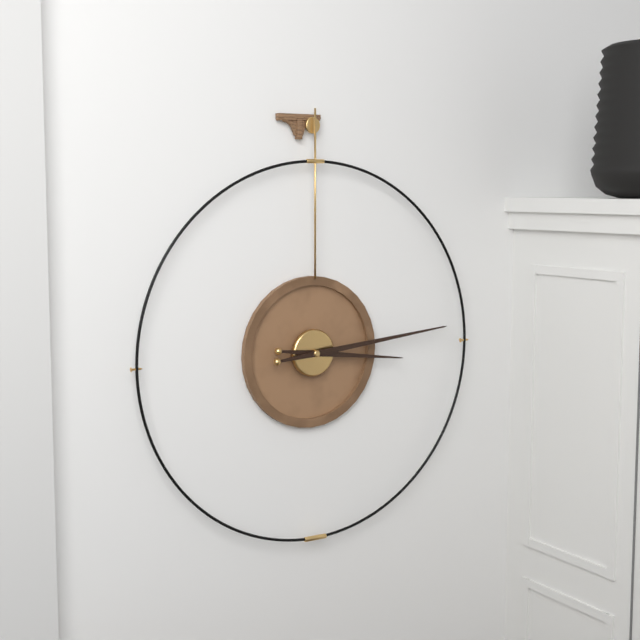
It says 3:14
